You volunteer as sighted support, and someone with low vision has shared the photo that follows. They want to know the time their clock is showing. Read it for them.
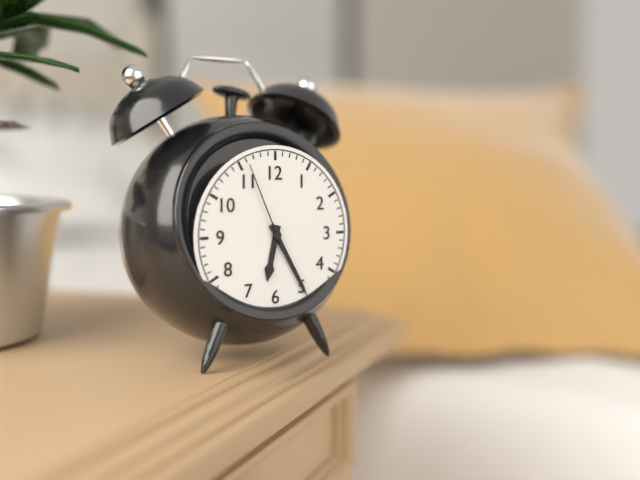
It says 6:25:56
